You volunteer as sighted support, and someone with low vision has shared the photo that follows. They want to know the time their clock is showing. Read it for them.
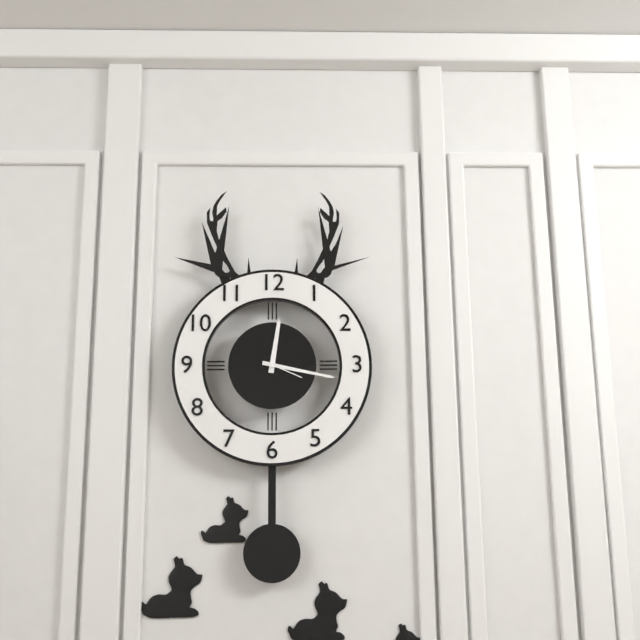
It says 12:17
